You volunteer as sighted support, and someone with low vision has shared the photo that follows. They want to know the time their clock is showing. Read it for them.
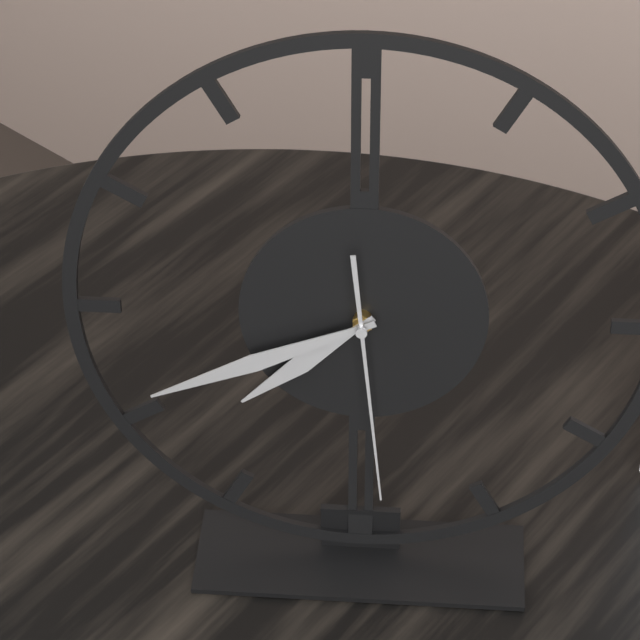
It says 7:41:29
